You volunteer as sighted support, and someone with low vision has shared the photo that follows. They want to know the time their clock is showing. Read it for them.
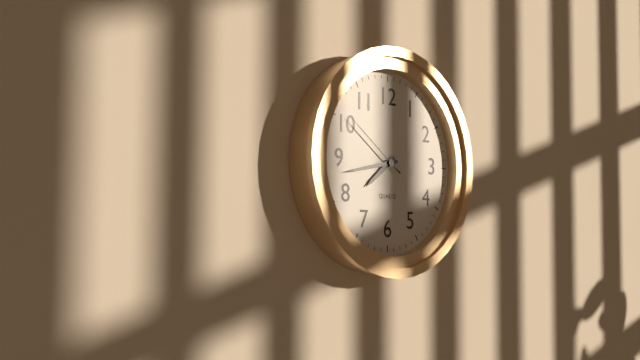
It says 7:43:51
